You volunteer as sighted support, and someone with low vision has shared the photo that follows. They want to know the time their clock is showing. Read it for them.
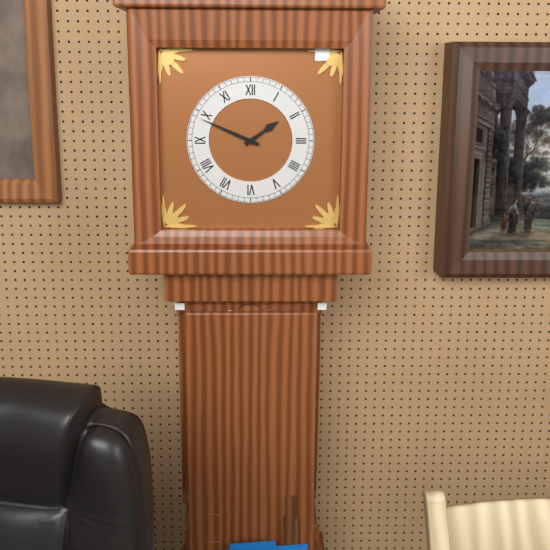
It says 1:49
